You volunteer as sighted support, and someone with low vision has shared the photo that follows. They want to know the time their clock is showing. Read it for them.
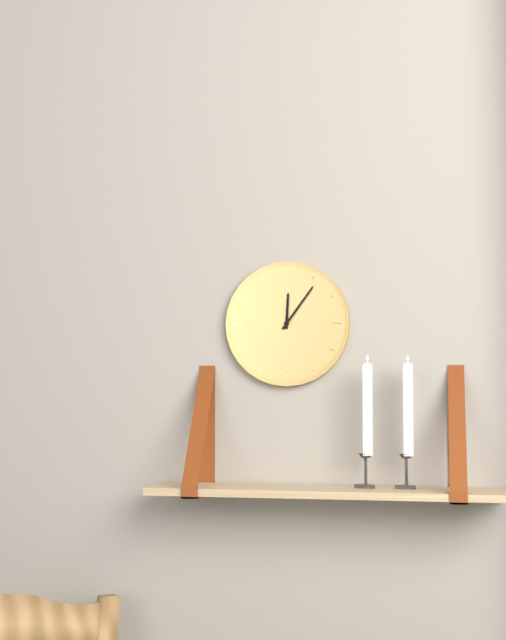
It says 12:06
